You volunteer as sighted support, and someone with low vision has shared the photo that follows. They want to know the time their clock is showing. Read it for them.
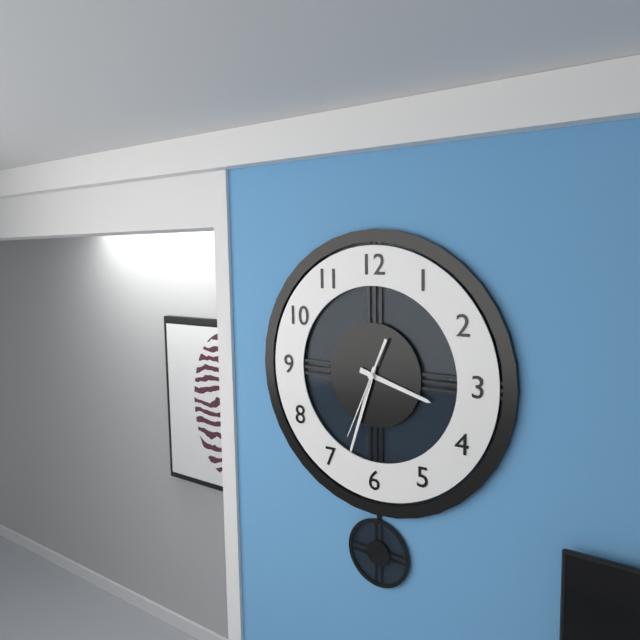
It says 3:33:34
